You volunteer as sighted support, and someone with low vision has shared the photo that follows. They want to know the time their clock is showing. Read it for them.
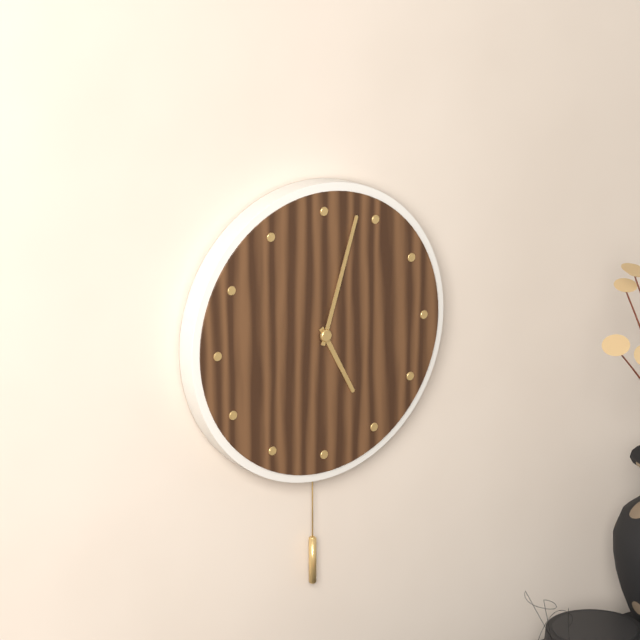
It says 5:03
